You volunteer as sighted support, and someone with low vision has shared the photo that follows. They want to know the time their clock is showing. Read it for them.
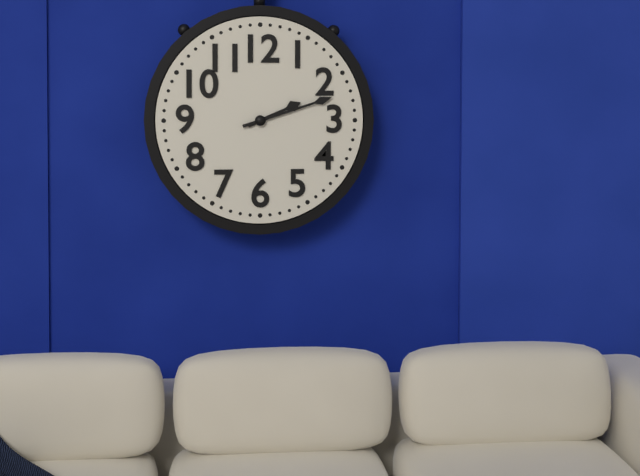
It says 2:12
